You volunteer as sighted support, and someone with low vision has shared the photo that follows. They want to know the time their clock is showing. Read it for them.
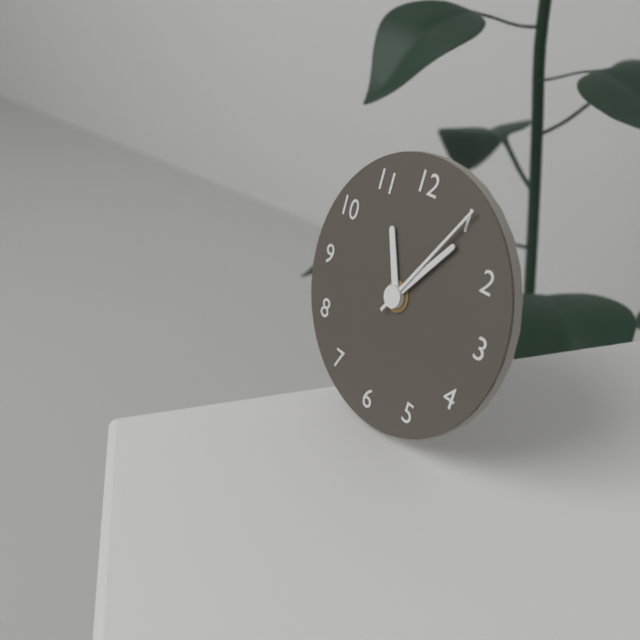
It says 11:06:05
